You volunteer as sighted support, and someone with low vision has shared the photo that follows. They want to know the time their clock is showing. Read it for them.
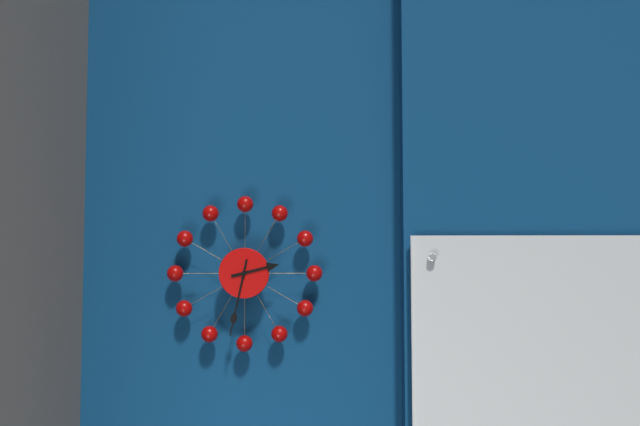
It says 2:32
